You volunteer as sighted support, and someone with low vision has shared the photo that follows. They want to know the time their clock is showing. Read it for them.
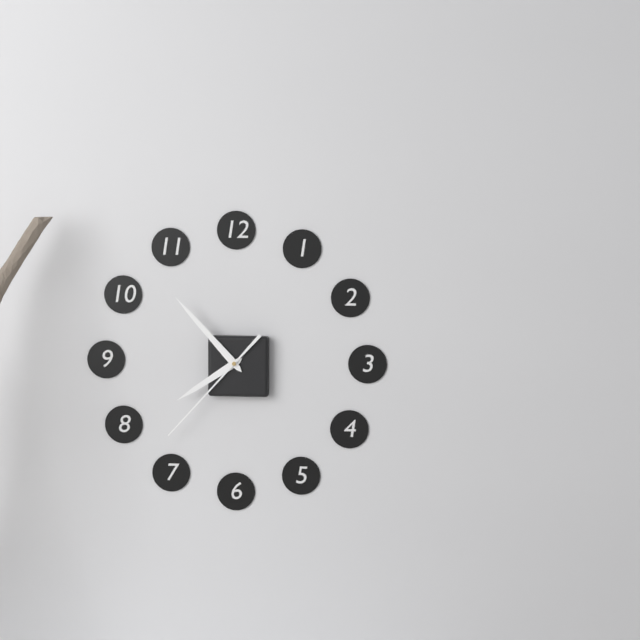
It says 7:53:37
